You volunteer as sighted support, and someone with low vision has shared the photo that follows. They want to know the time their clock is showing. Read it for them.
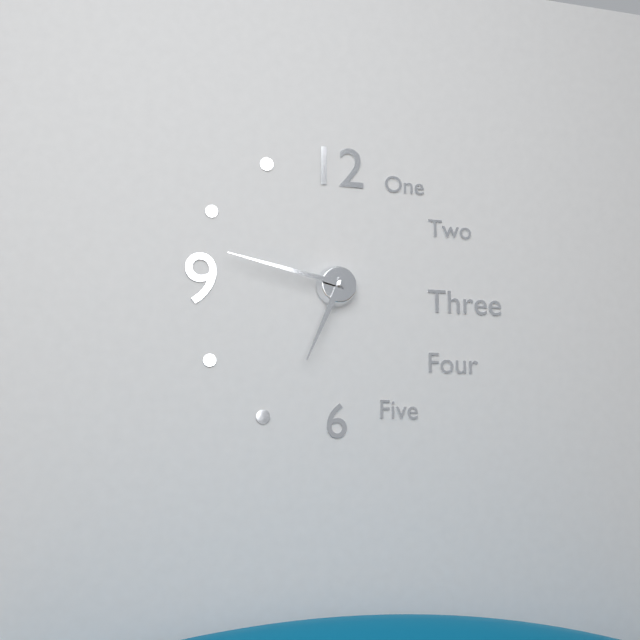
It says 6:47
